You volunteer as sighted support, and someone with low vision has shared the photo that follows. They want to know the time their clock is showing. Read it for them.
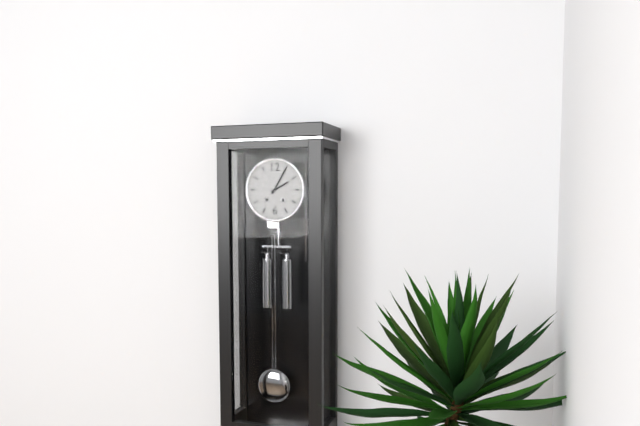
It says 2:05
